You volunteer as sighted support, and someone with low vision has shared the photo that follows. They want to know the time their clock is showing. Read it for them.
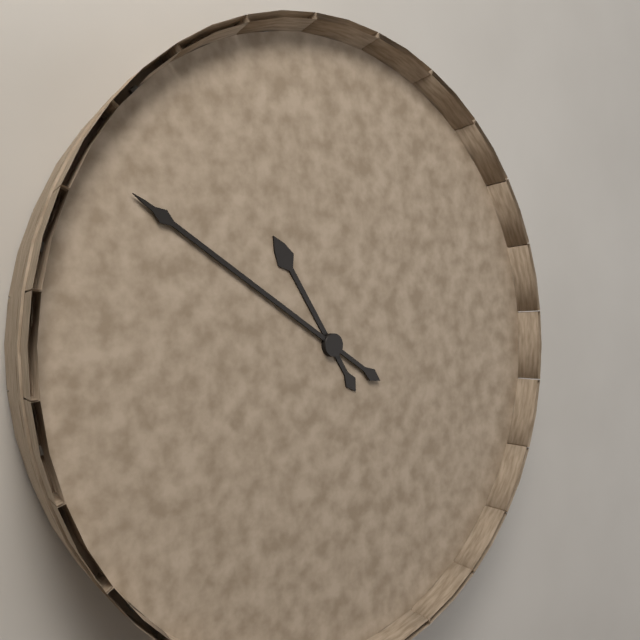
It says 10:50
